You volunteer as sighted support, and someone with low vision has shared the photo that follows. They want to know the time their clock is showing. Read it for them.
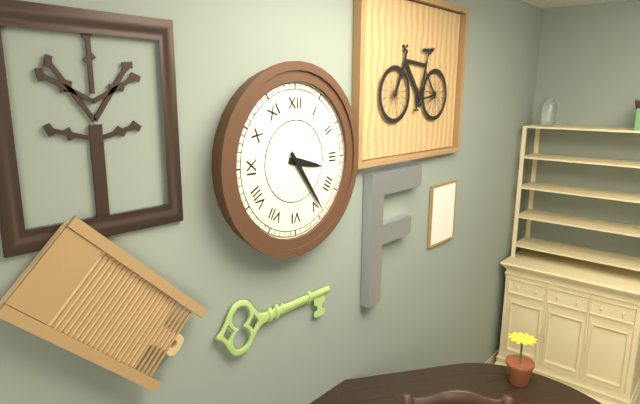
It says 3:24
